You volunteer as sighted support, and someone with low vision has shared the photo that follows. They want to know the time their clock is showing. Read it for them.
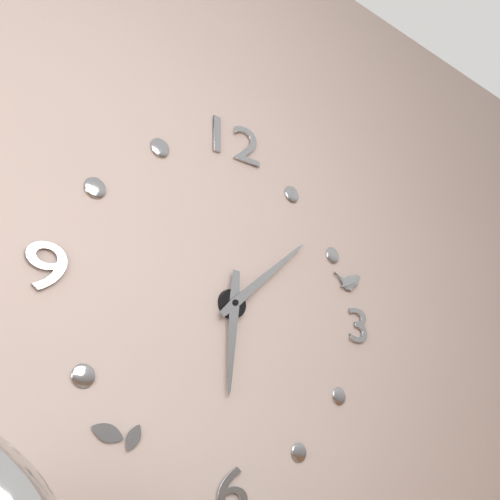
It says 6:08
